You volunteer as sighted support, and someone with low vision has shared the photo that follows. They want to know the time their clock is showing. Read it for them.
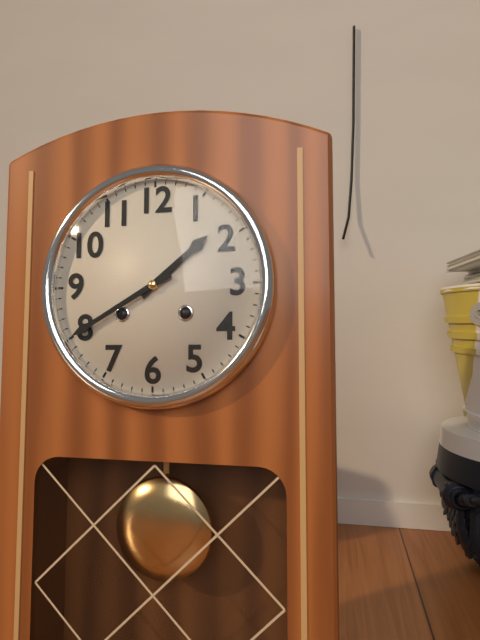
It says 1:40
